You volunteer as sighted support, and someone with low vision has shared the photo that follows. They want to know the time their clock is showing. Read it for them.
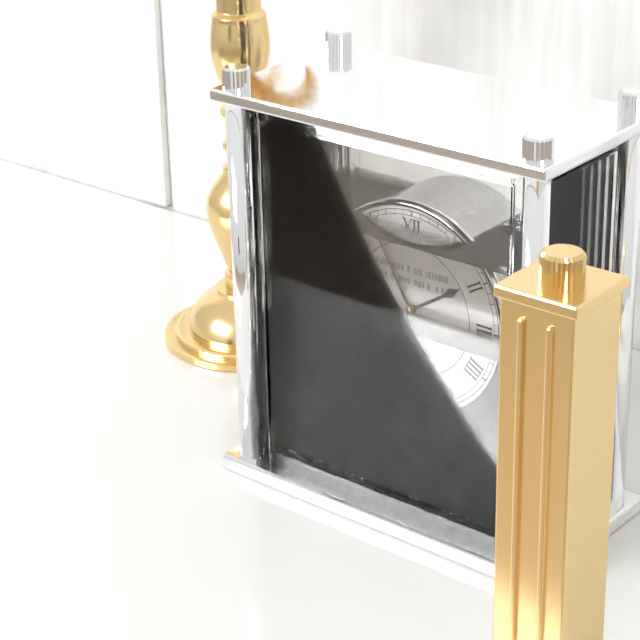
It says 1:55
